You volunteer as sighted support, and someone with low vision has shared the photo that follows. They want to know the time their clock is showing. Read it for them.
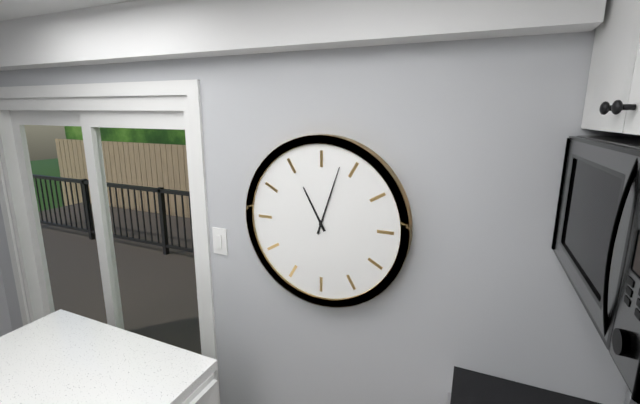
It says 11:03
